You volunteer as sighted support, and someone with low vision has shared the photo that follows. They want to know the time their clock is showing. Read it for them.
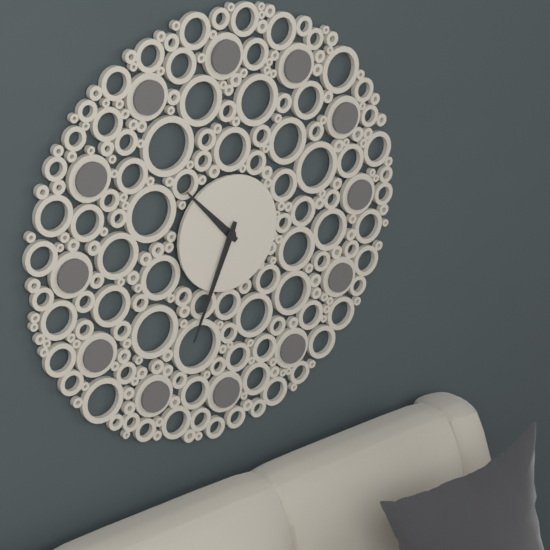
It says 10:34
